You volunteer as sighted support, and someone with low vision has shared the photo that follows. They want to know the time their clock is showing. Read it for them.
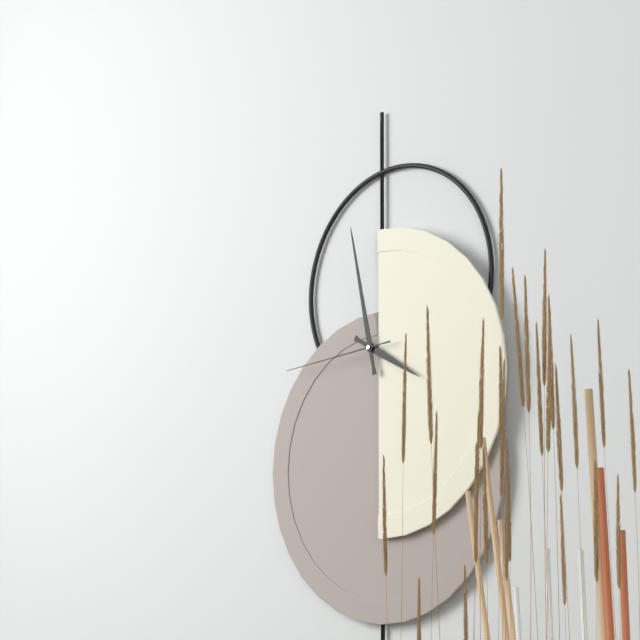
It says 3:58:44
